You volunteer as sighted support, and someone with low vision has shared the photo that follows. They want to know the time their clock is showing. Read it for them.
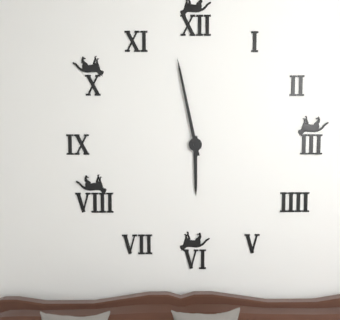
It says 5:58
